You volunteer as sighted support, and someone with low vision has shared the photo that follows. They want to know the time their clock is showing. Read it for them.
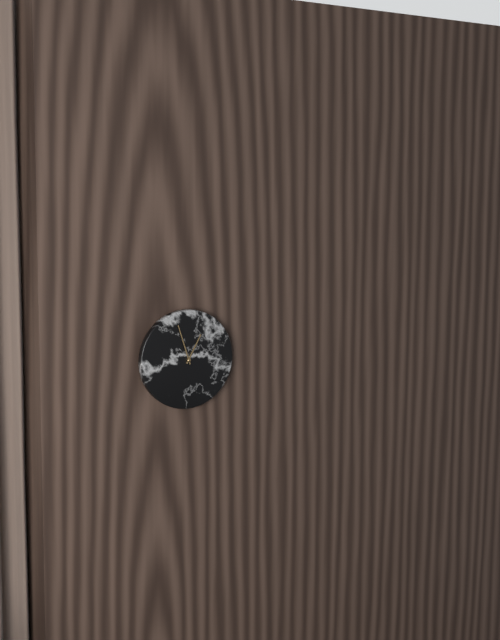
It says 12:57
